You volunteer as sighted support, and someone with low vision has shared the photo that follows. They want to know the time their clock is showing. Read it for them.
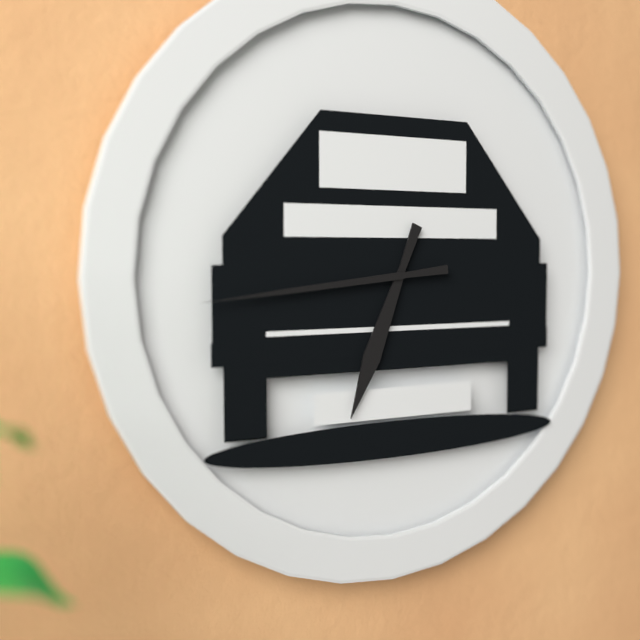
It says 6:44
